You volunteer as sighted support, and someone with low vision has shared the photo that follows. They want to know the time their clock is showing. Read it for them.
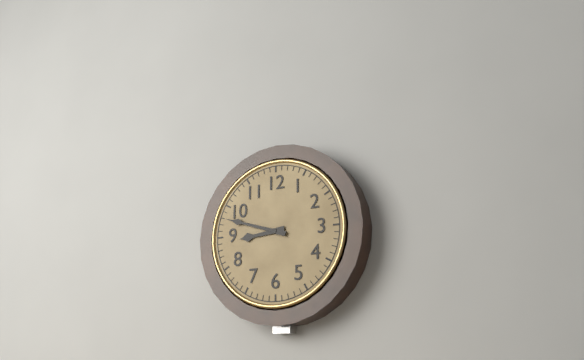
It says 8:48
